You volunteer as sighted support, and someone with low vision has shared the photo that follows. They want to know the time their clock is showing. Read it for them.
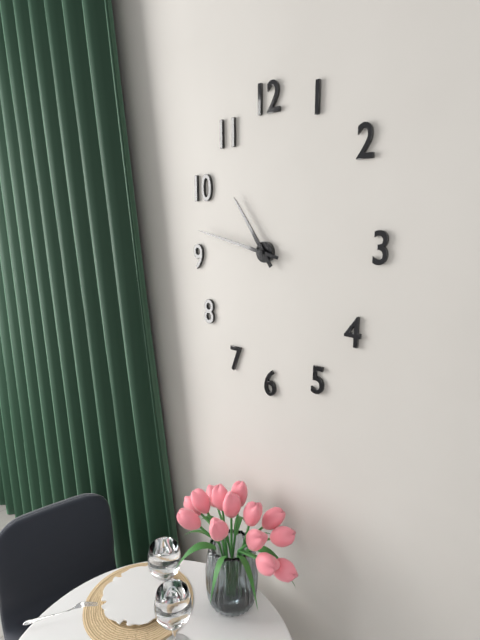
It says 10:47
